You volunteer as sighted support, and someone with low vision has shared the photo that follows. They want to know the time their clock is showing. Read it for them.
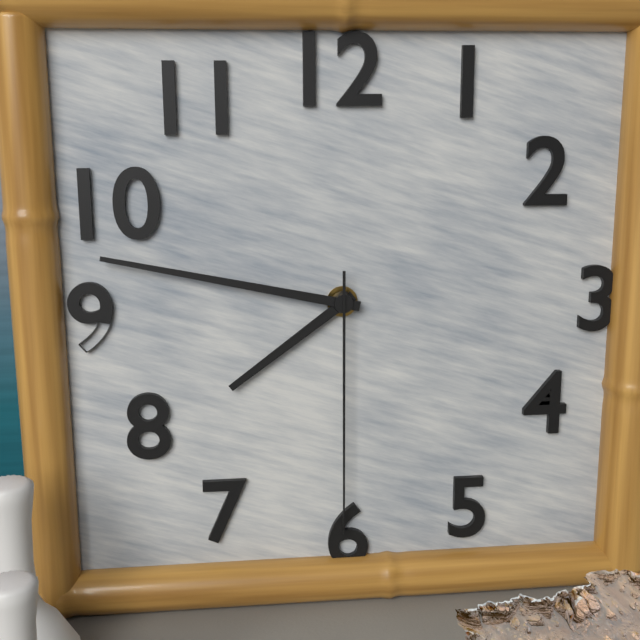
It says 7:47:30
